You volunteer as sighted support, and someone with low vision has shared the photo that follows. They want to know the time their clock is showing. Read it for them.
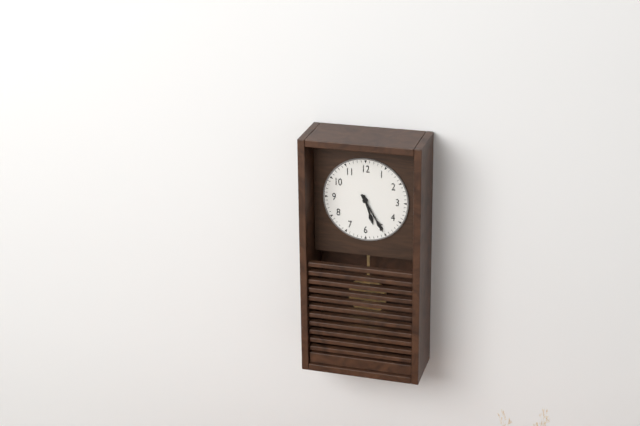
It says 5:25
